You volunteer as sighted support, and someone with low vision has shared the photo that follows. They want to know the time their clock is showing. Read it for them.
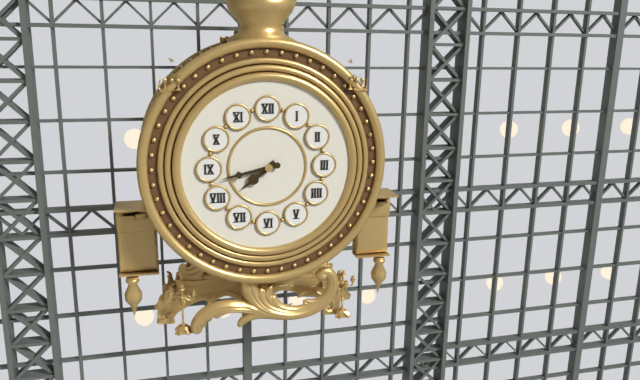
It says 7:43
